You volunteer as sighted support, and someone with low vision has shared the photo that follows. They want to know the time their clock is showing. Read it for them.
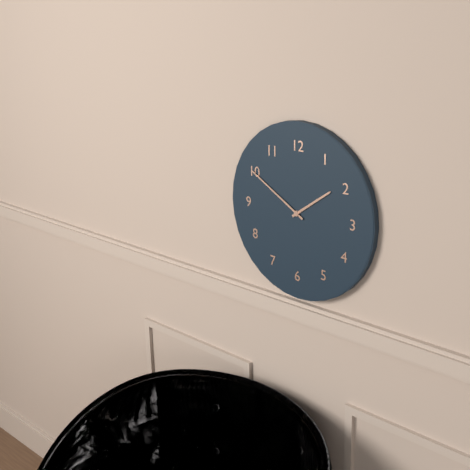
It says 1:50
